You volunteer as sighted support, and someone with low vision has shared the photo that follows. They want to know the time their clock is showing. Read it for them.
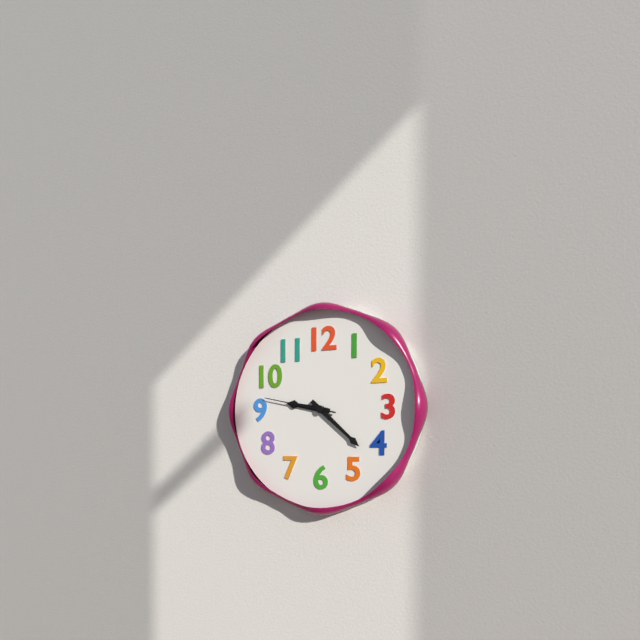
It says 9:22:47
